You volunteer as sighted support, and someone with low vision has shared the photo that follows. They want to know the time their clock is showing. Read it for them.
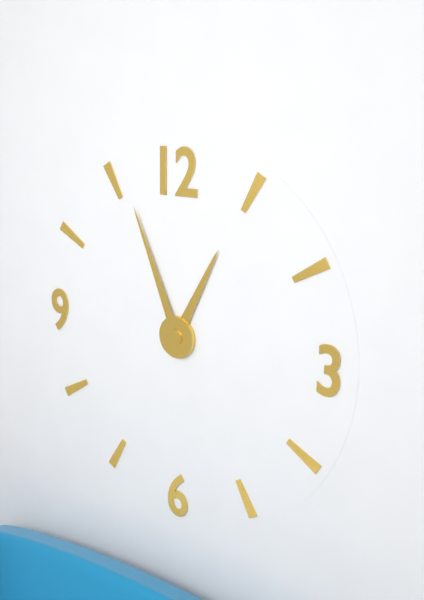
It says 12:56
